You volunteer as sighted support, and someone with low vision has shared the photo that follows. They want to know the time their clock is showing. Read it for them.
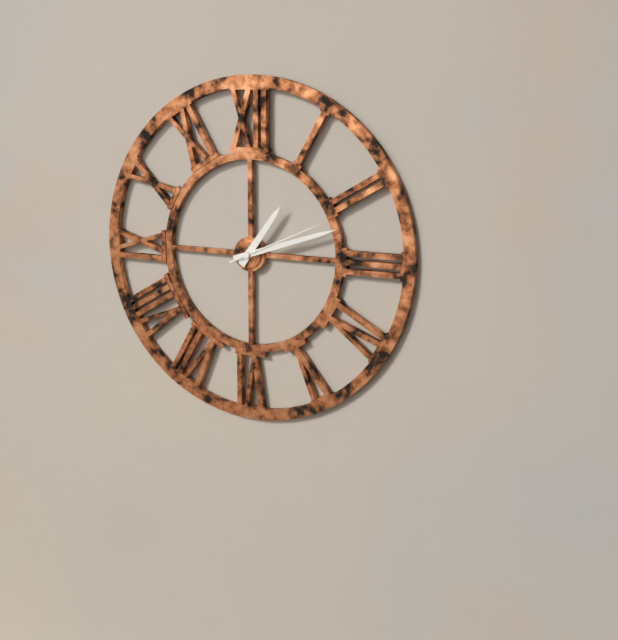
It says 1:12:11
